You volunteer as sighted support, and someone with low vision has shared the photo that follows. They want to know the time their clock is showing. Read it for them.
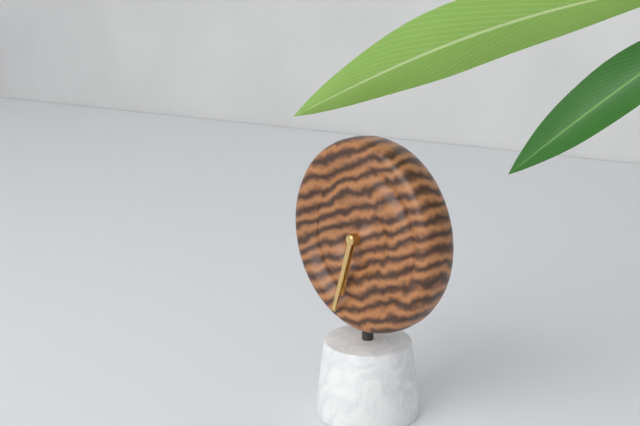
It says 6:33
